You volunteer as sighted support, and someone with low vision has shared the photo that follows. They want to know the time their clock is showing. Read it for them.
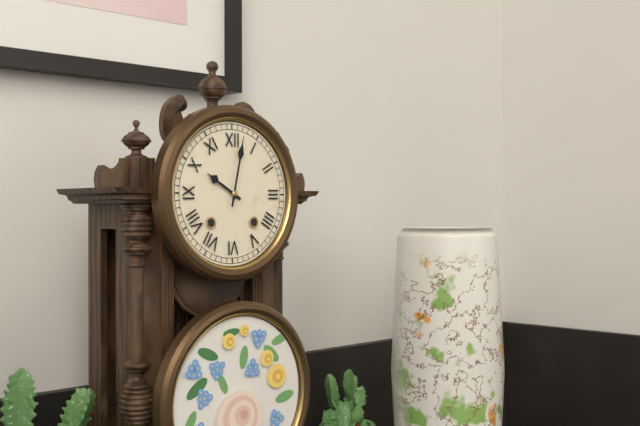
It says 10:02
